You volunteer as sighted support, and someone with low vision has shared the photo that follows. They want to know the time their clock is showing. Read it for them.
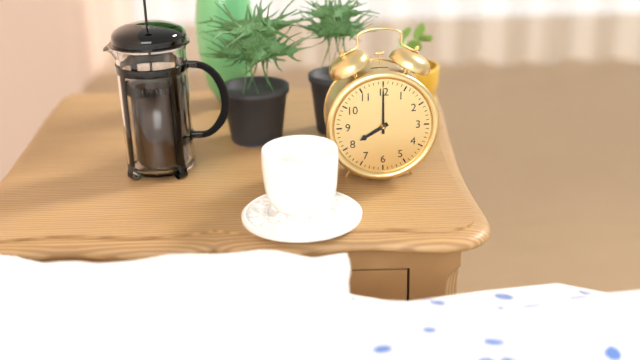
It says 8:00
